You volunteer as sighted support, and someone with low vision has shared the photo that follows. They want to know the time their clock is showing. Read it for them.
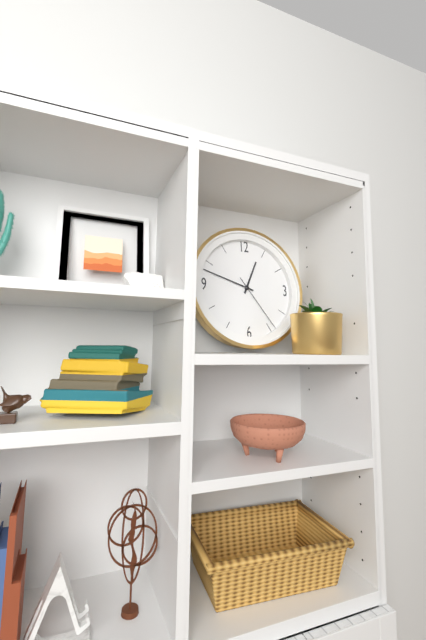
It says 12:48:24
